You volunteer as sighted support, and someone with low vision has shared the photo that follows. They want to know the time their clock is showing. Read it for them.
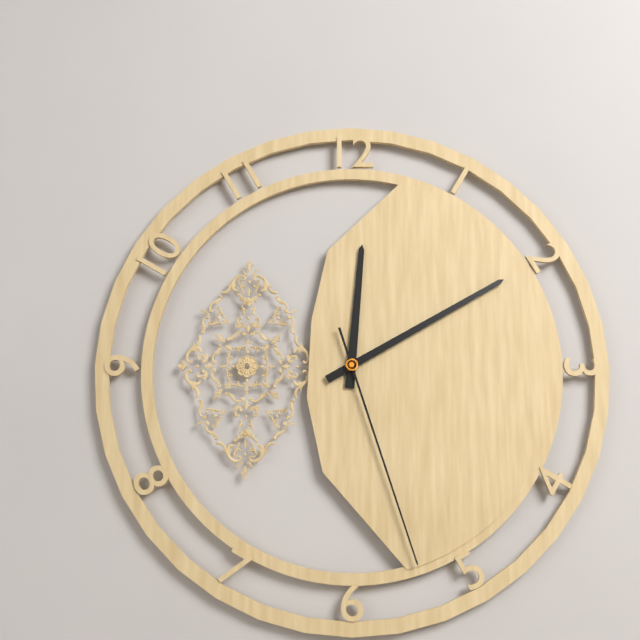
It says 12:10:27
